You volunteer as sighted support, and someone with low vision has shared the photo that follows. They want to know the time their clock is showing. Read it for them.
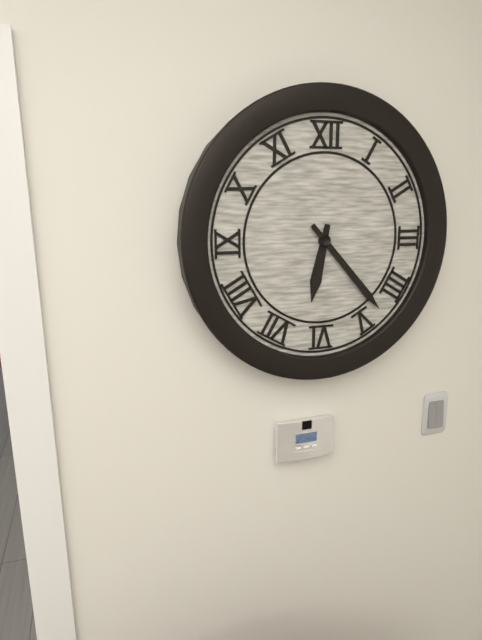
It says 6:23
